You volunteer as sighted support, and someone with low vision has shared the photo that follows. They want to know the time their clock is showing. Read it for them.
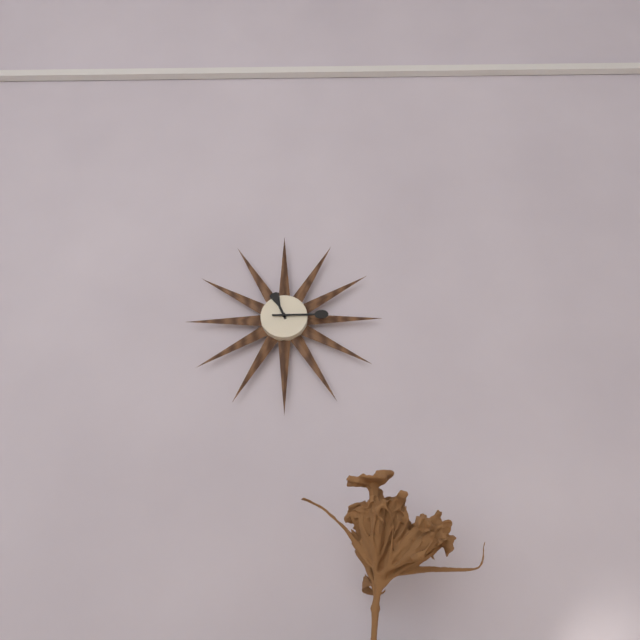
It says 11:15
